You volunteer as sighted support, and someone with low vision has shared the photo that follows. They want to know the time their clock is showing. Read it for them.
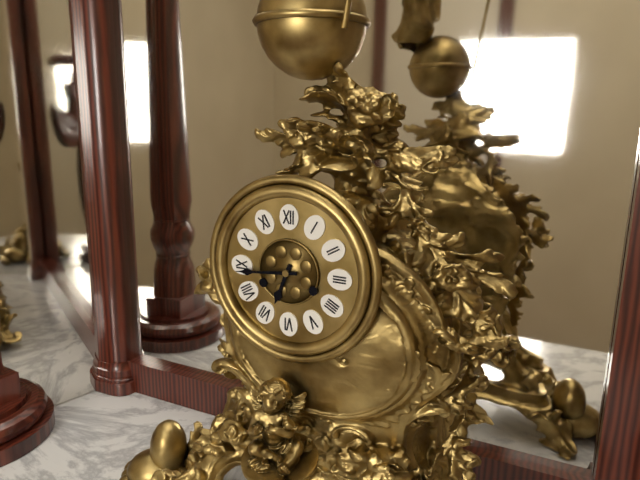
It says 6:44
